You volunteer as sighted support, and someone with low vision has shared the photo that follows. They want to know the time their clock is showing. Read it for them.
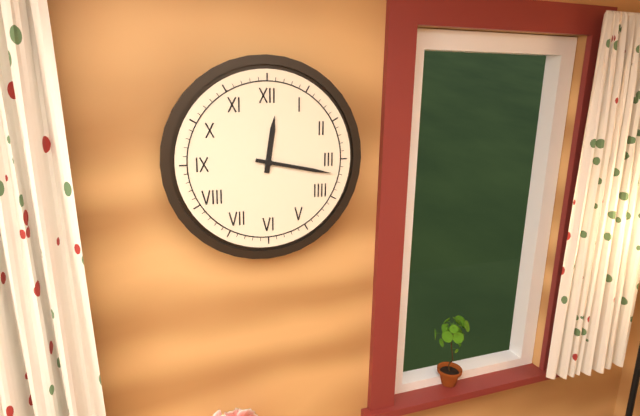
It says 12:17
